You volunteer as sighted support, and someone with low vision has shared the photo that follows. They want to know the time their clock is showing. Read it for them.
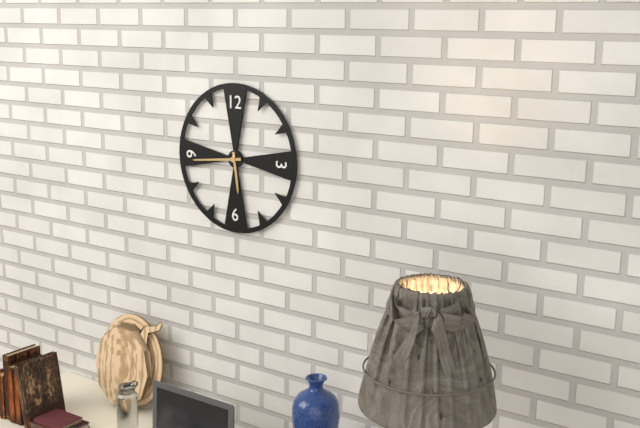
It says 5:44
